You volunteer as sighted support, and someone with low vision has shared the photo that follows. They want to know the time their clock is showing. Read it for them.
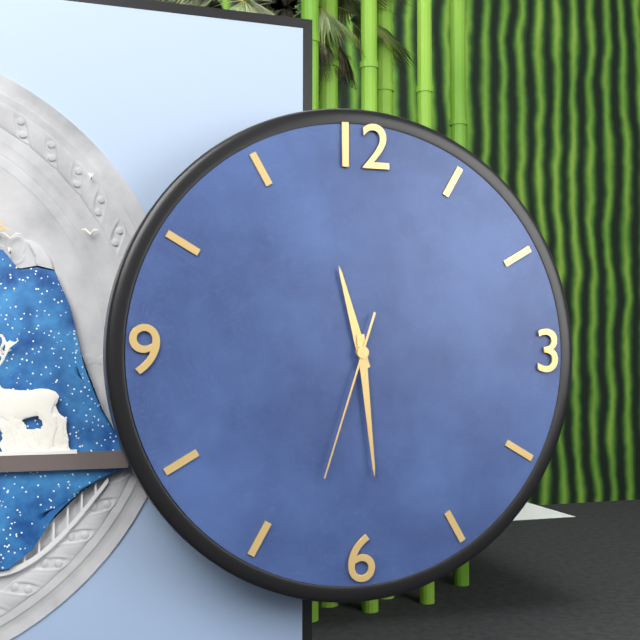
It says 11:29:33
